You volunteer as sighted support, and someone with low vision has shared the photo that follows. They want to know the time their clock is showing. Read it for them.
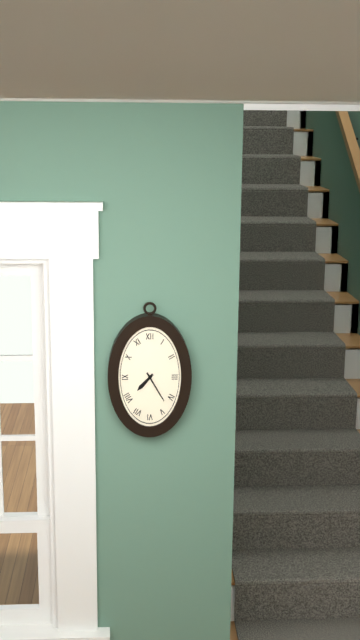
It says 7:25
